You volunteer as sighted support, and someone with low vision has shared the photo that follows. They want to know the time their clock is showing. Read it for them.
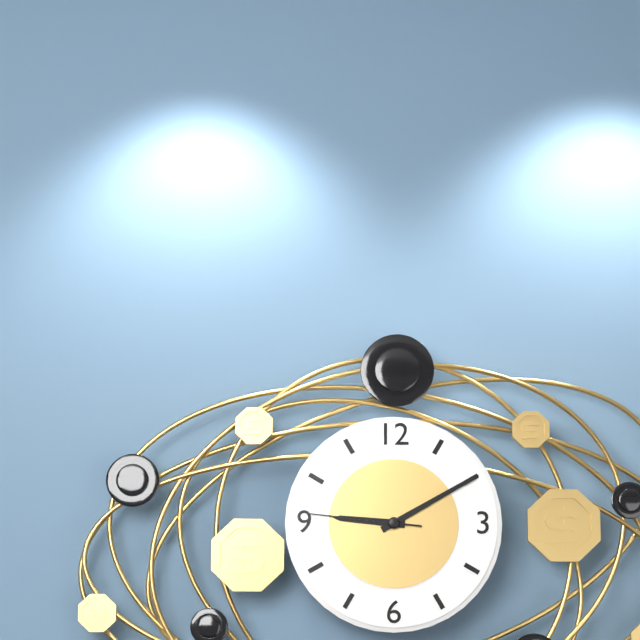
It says 9:10:46
